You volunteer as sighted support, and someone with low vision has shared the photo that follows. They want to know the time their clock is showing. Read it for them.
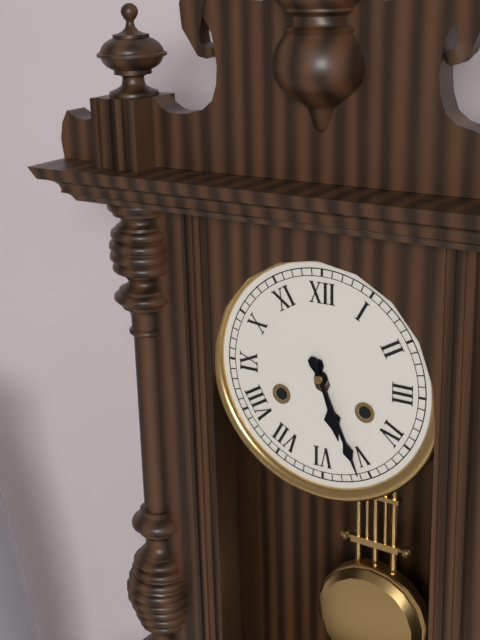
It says 5:26
